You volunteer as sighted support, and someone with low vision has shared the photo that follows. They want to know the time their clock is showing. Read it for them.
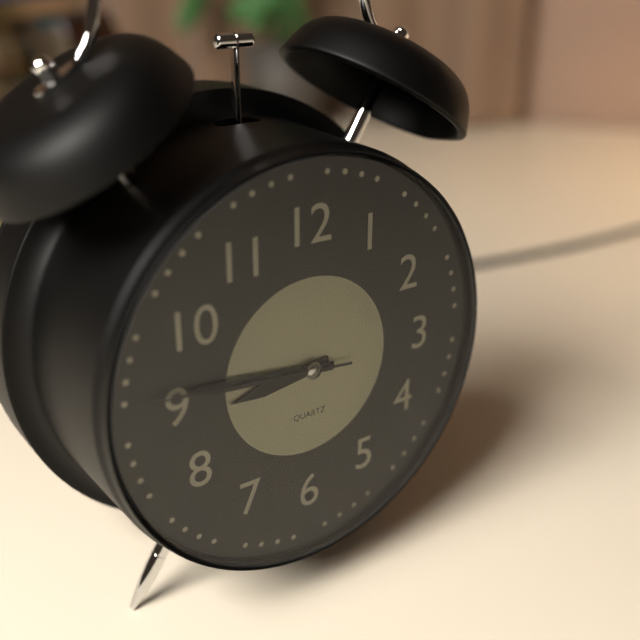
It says 8:46:46
